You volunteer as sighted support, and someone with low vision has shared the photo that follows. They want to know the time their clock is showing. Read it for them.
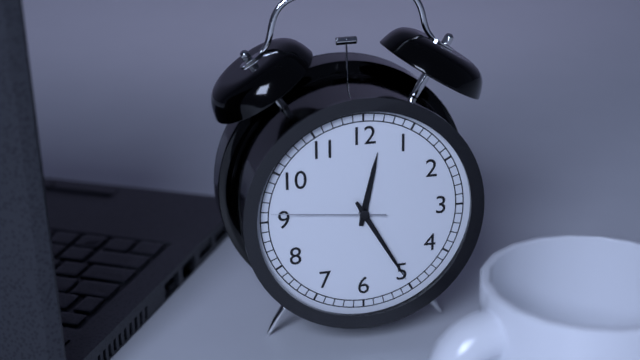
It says 12:25:46
